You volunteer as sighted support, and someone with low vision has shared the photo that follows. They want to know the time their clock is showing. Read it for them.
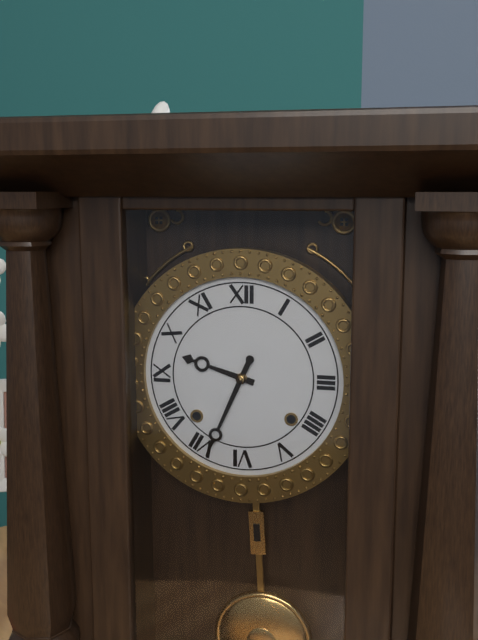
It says 9:34
